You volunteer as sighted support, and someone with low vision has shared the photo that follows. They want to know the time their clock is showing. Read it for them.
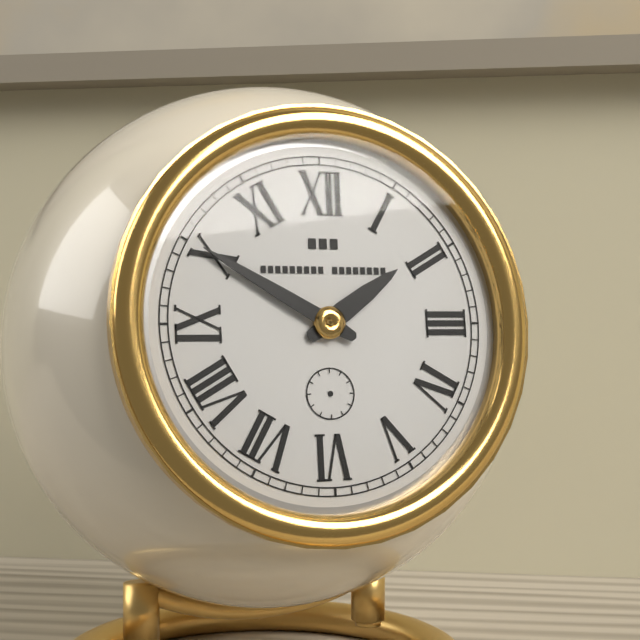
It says 1:50
